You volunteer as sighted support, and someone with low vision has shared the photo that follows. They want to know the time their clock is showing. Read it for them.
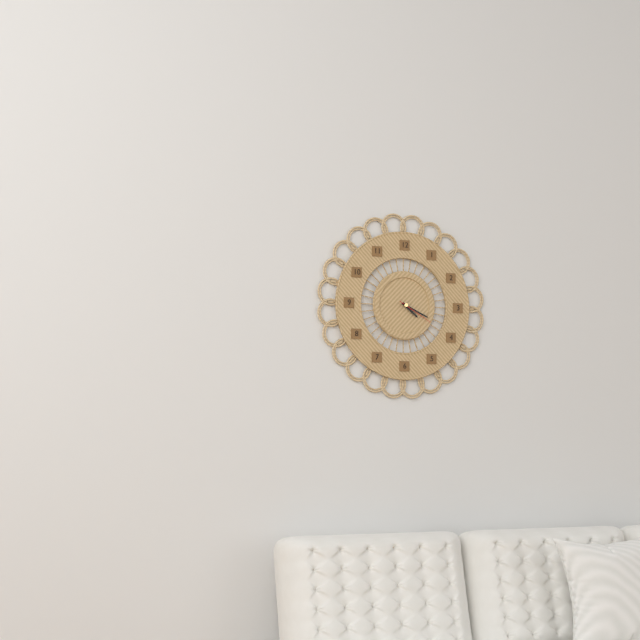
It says 4:19
